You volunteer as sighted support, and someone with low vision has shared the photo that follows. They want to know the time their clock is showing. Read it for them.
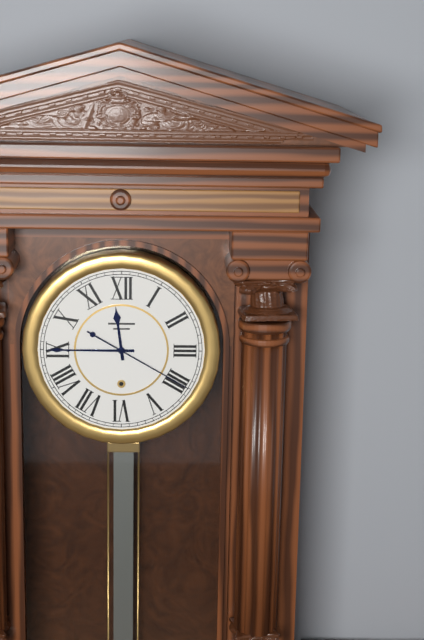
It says 11:45:20
